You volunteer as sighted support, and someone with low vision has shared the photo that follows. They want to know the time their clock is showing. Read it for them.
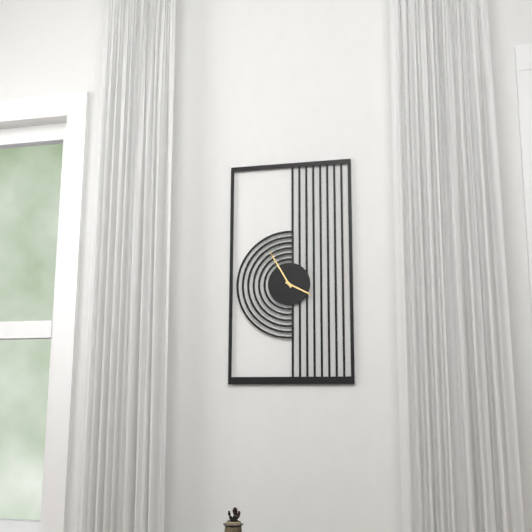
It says 3:55
